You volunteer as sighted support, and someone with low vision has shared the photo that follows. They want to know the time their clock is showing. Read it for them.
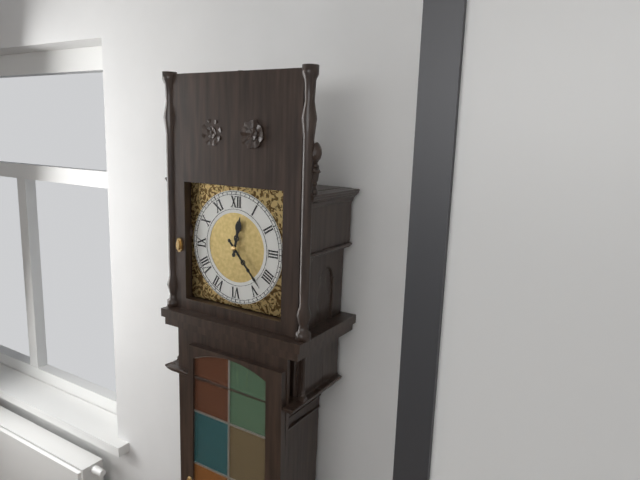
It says 12:23
